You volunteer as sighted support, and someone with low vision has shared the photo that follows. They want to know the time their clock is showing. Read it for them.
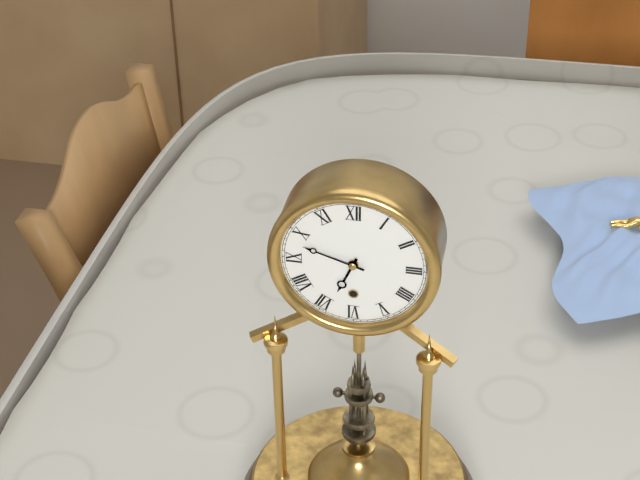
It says 6:48
